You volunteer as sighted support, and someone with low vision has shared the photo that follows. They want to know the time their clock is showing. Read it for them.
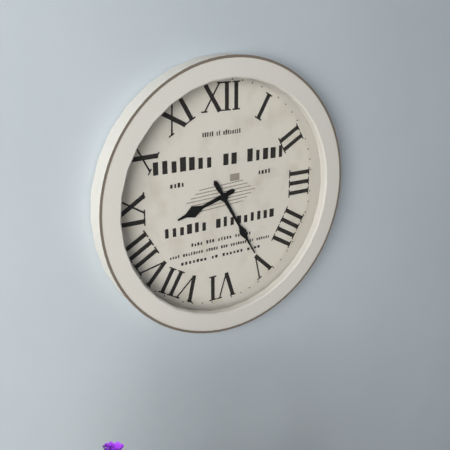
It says 8:25
